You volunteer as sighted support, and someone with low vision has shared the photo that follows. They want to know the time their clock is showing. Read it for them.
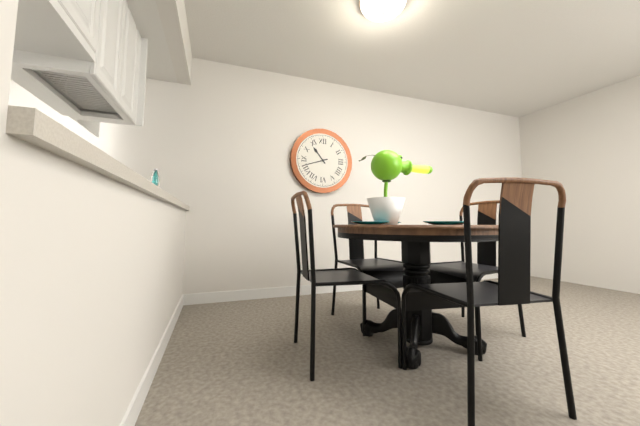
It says 10:42
